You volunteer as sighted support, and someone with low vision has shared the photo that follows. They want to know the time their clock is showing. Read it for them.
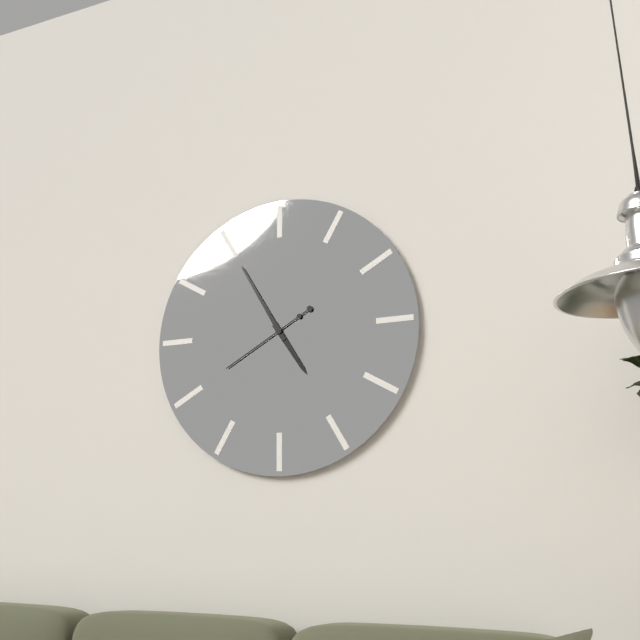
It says 4:55:40
